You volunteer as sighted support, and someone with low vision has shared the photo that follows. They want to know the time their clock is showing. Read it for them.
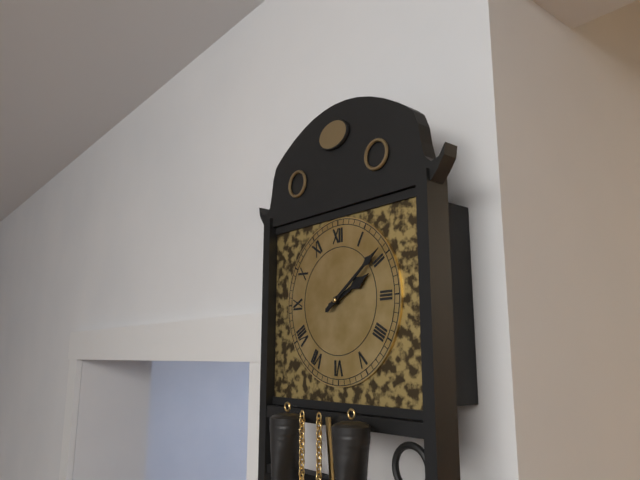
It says 2:09
